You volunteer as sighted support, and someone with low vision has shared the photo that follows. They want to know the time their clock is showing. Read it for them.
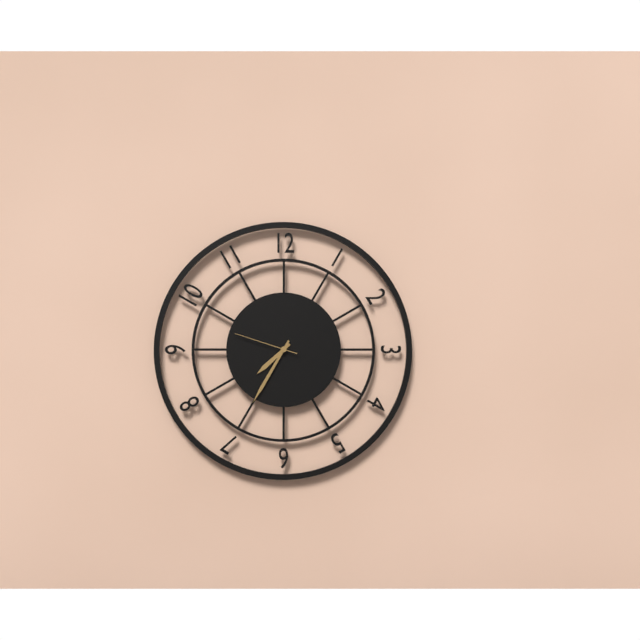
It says 7:35:48
